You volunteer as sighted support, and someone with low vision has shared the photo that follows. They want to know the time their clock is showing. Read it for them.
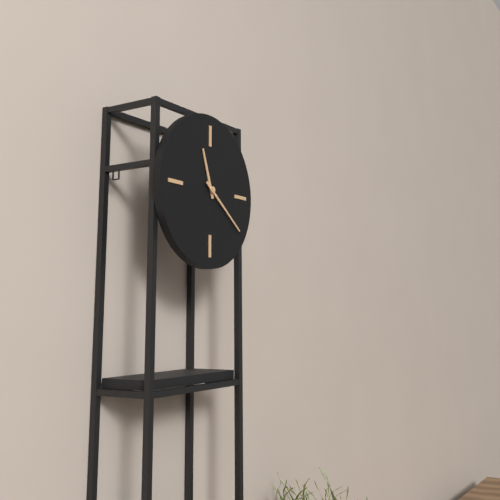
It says 11:21
